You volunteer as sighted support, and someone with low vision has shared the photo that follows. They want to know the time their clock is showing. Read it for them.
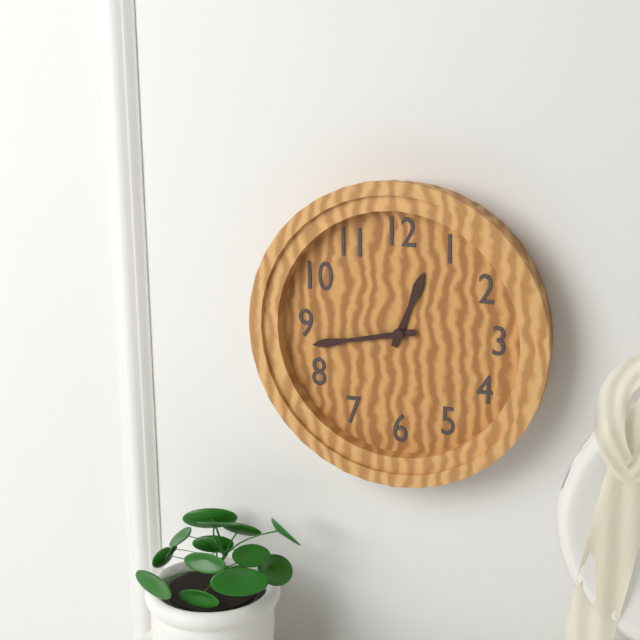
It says 12:43
